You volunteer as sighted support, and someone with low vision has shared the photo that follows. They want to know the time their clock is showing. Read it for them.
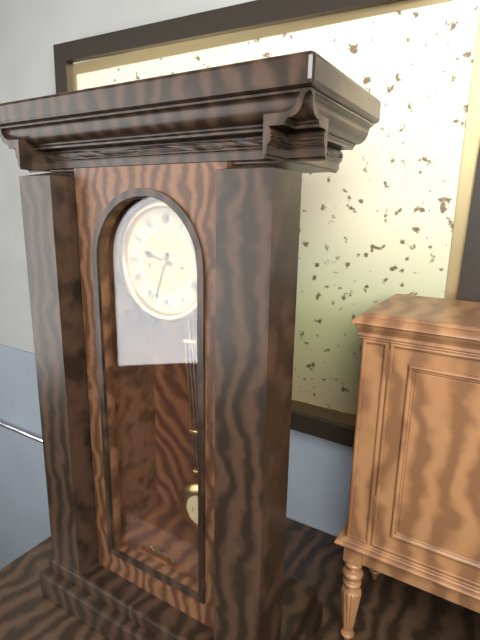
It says 9:33
